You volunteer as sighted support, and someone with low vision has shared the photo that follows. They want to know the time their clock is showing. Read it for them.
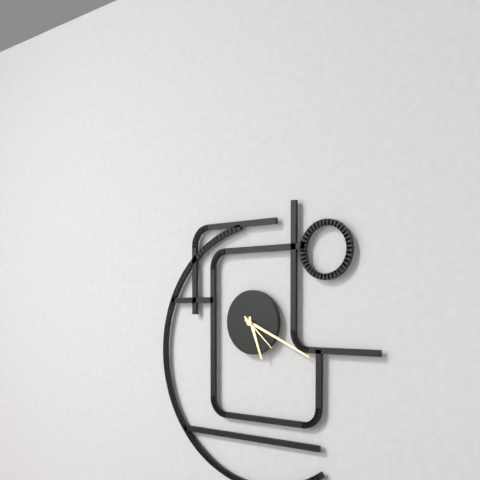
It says 5:19
